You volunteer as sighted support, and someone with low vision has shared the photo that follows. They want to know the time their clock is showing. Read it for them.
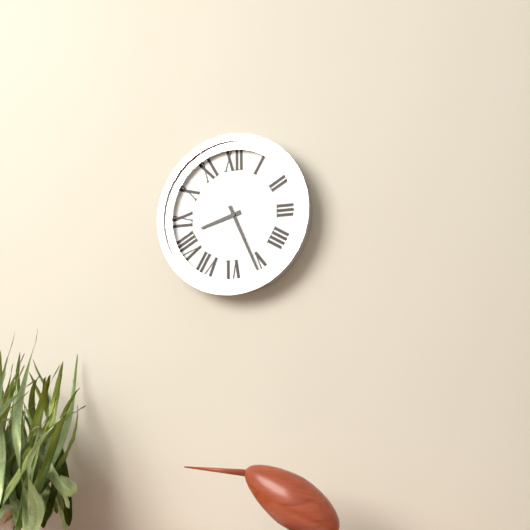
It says 8:26
